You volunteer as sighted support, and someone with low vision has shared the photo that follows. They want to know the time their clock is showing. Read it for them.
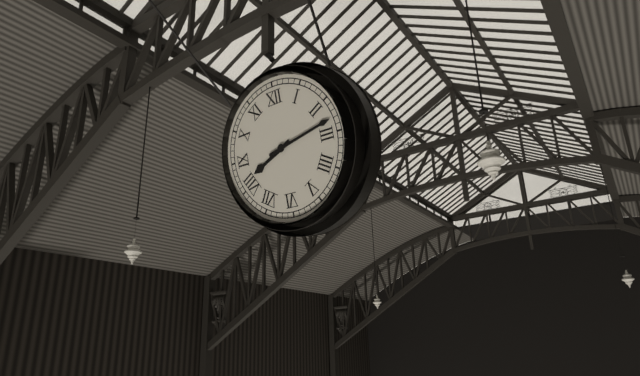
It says 8:13
